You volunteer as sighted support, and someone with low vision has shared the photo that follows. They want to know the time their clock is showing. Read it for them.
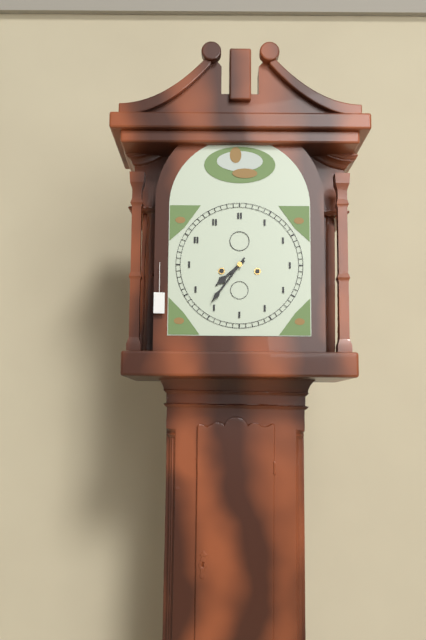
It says 7:36
